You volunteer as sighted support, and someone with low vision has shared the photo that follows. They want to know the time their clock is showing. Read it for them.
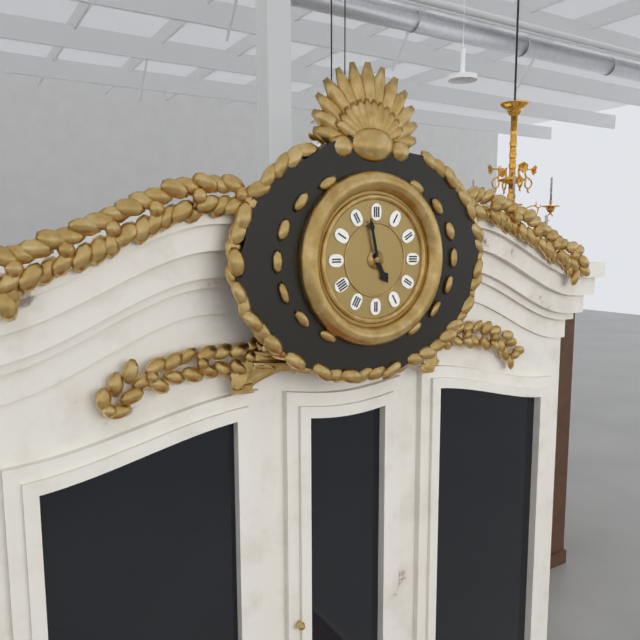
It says 4:58
